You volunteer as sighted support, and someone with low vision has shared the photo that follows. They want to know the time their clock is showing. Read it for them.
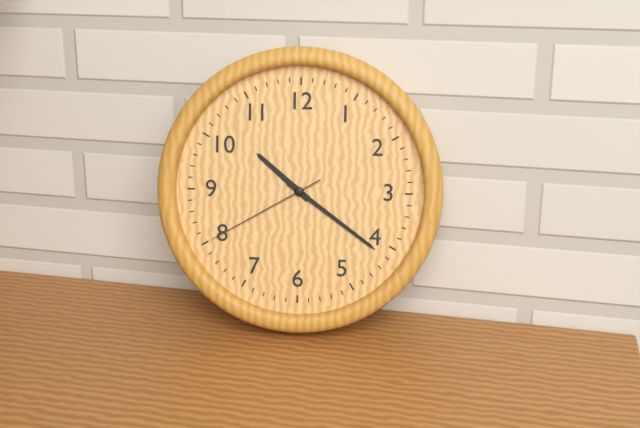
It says 10:21:40
